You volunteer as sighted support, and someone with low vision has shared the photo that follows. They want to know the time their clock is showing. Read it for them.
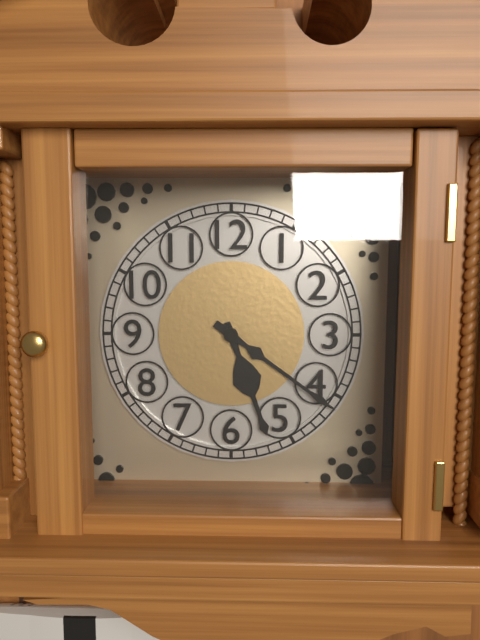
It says 5:21
